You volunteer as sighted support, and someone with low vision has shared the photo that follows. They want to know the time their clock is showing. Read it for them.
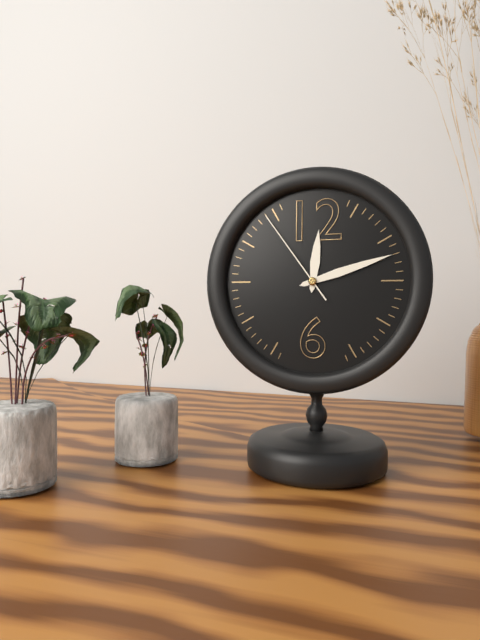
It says 12:12:54
